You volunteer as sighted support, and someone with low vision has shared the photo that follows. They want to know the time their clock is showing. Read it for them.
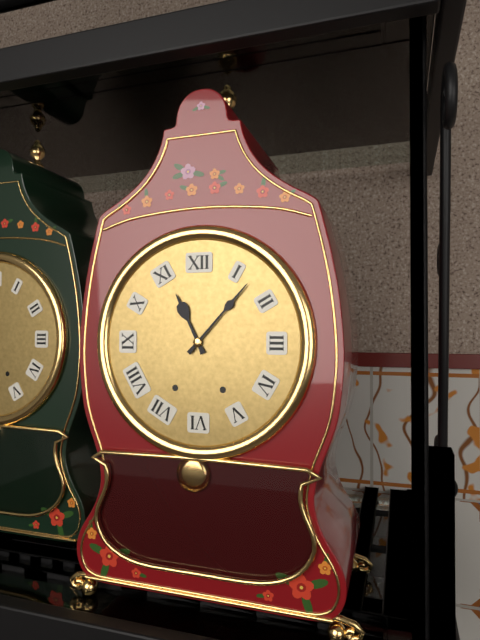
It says 11:07
